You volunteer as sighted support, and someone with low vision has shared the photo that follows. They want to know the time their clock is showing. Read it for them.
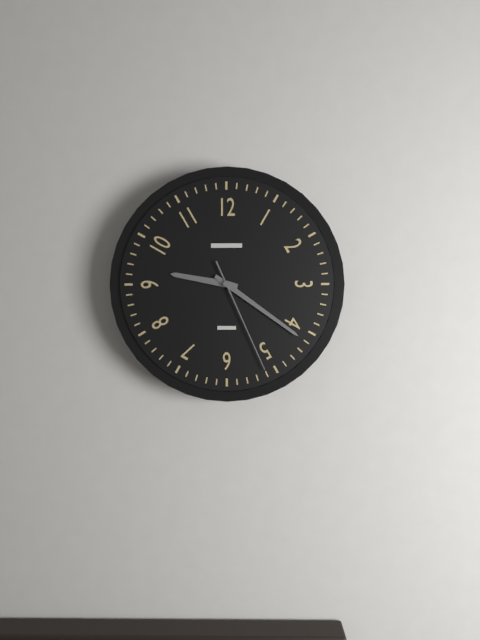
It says 9:21:26
